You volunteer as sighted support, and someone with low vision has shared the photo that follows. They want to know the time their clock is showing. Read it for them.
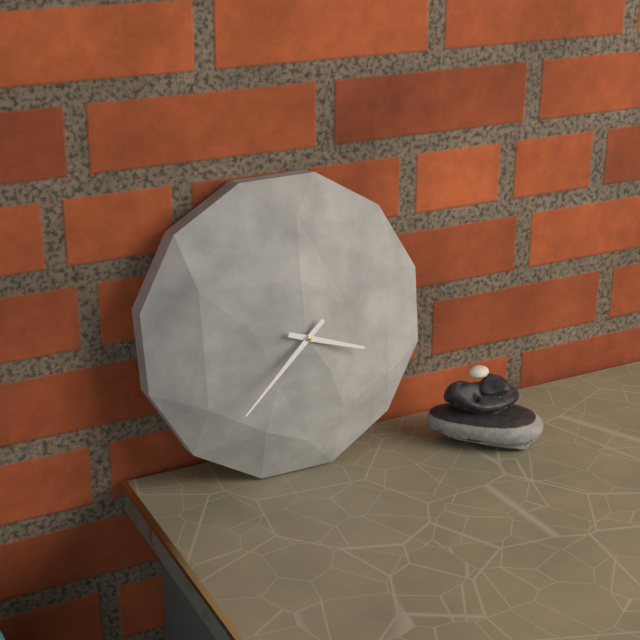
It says 3:38
